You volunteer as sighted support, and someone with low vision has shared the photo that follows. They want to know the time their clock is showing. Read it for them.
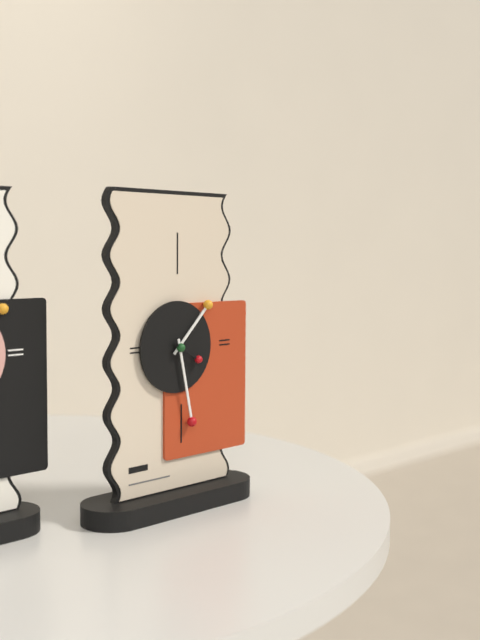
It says 1:28
